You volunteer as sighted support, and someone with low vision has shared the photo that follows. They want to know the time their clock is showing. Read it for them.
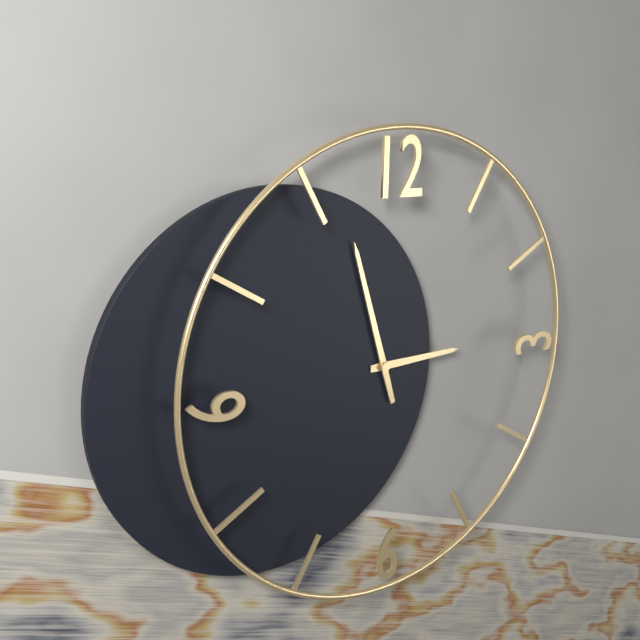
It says 2:57
